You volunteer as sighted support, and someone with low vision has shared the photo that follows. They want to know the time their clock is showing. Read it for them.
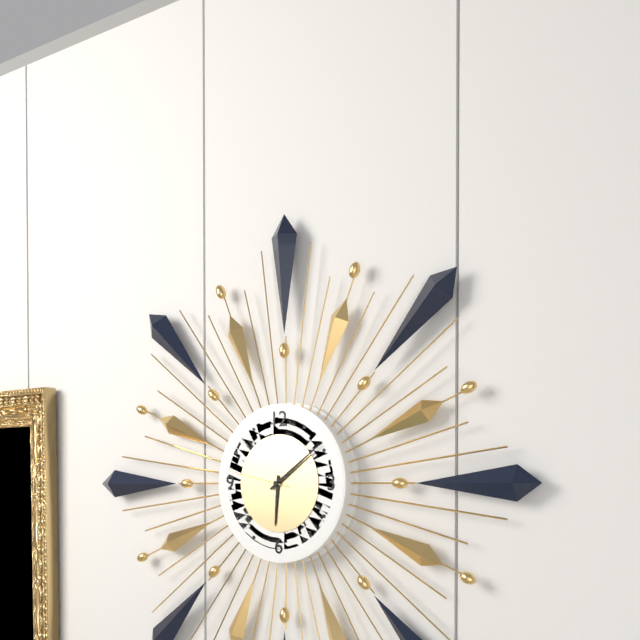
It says 6:09:47
